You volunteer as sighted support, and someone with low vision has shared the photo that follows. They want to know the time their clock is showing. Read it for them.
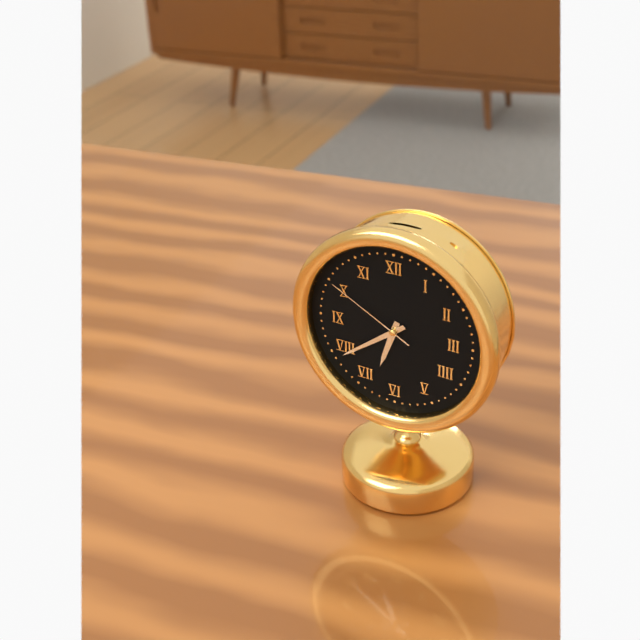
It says 6:39:50
